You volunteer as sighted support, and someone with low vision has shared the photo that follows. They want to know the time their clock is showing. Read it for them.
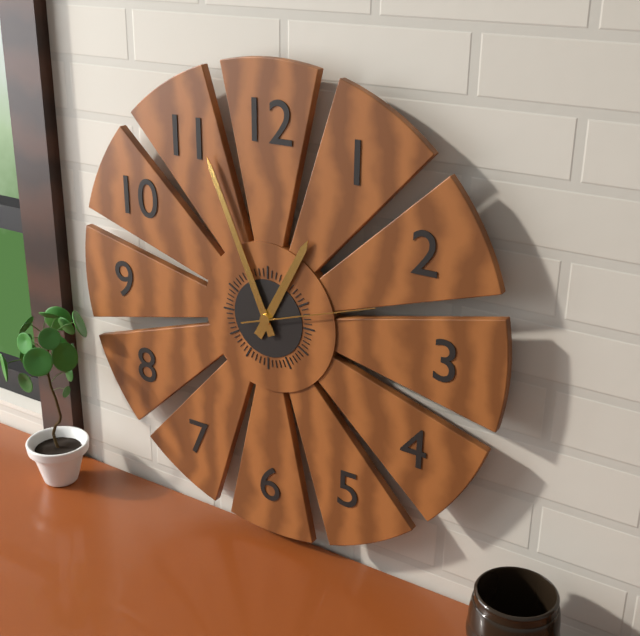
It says 12:56:12
